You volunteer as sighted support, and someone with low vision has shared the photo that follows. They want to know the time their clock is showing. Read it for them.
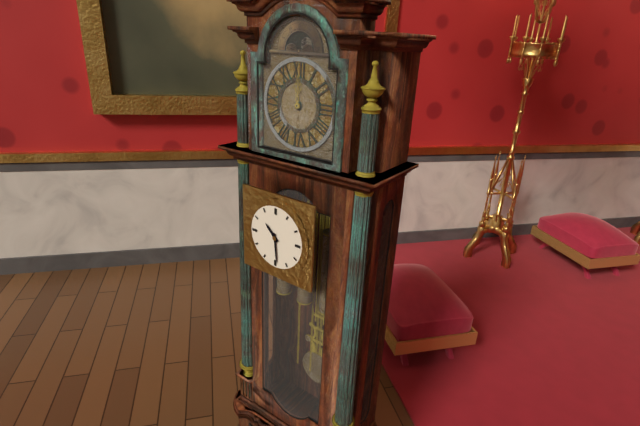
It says 10:29
